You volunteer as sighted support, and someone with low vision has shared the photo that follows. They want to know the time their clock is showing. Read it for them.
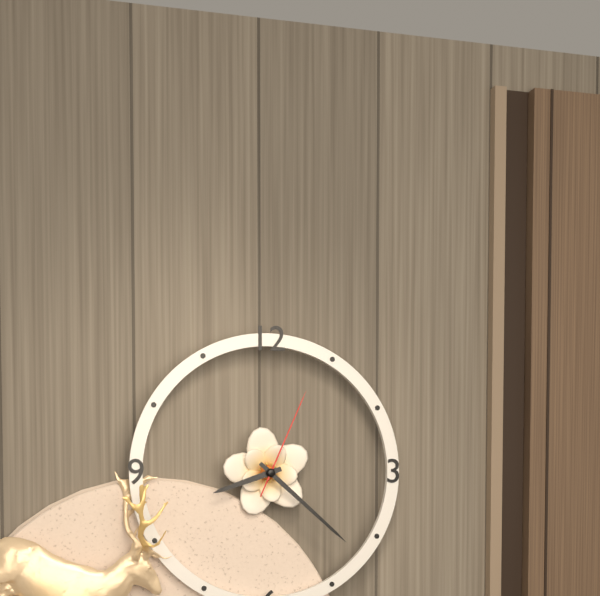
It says 8:22:04
